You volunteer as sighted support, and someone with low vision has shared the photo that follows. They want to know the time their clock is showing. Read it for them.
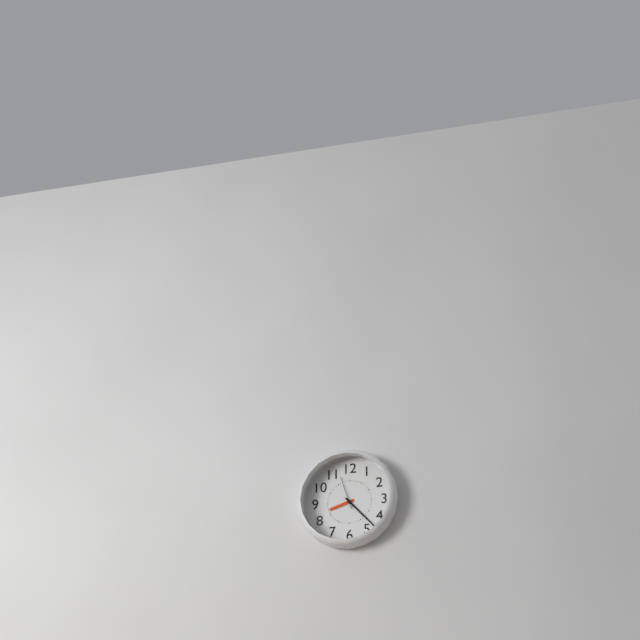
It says 8:23
